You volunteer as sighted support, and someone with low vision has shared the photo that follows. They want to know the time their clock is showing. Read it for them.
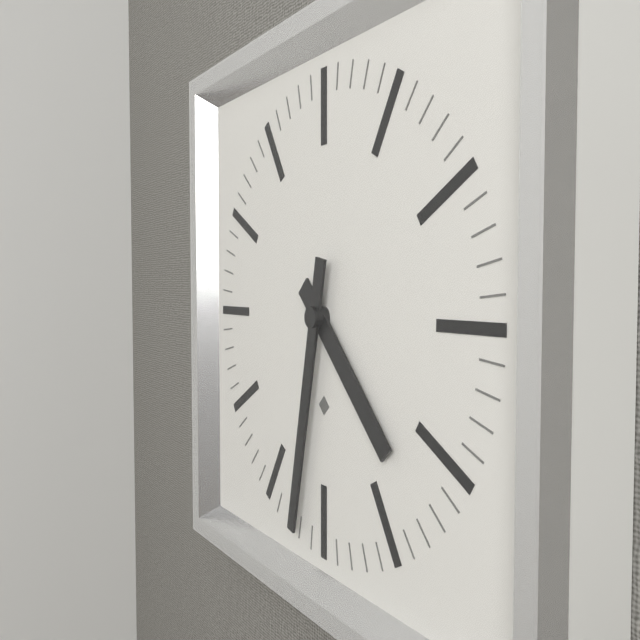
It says 4:32
